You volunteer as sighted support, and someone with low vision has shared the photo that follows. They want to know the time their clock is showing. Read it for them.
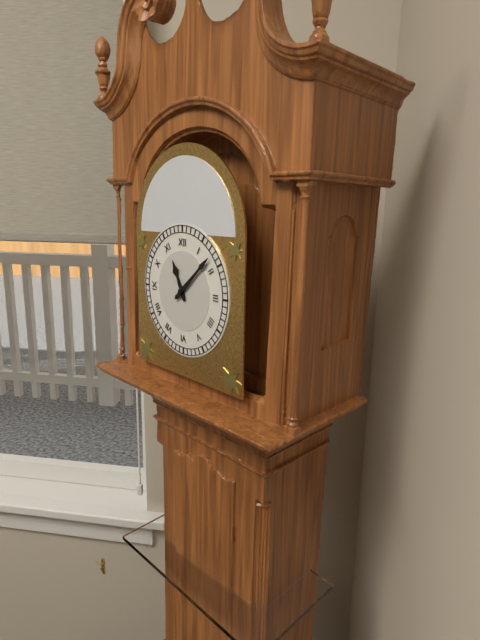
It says 11:08
